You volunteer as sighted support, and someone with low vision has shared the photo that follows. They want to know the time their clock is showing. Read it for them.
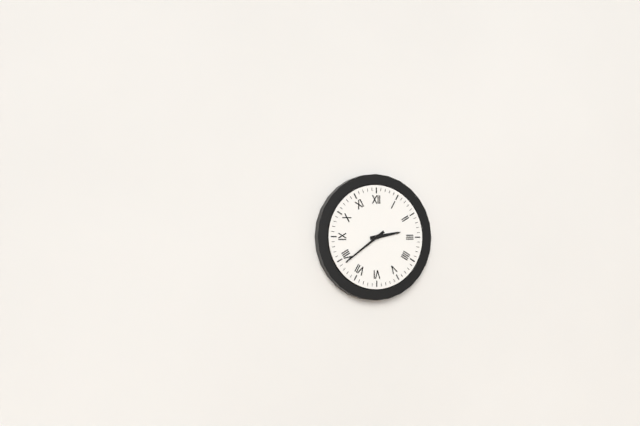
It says 2:39
